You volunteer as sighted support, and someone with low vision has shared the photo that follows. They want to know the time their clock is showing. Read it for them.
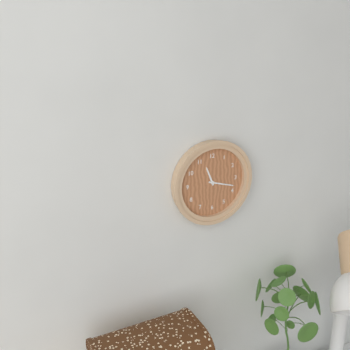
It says 11:18
